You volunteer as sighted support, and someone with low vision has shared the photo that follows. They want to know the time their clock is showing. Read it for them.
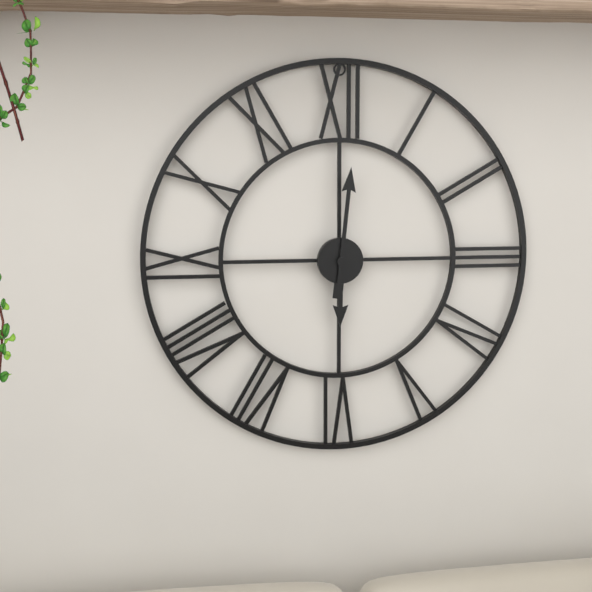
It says 6:01
